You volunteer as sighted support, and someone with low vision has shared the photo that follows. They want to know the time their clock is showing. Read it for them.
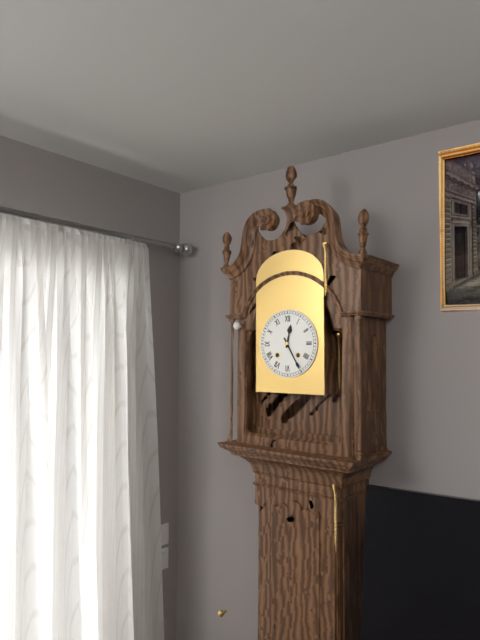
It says 12:25
